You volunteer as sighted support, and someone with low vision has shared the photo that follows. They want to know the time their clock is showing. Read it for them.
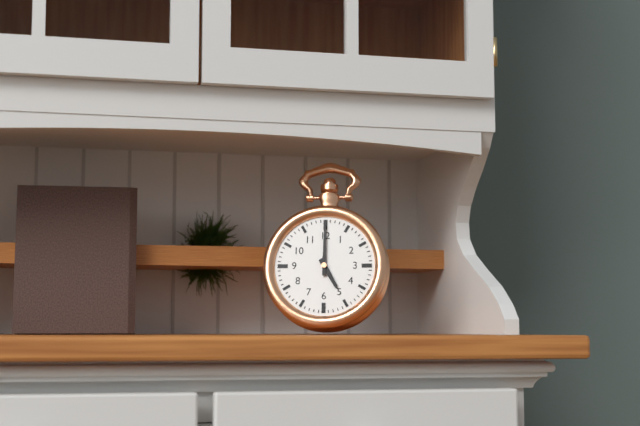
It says 5:00
